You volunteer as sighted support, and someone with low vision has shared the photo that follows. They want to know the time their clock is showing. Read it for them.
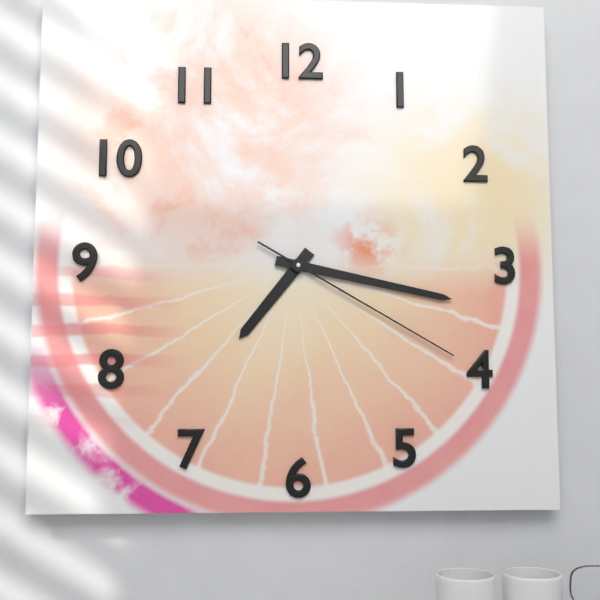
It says 7:17:20
